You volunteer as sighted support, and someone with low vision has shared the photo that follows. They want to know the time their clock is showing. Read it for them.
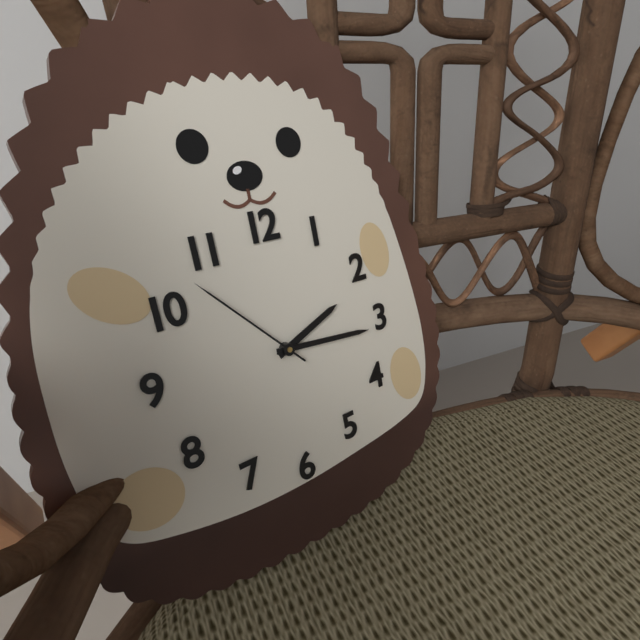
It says 2:16:53
